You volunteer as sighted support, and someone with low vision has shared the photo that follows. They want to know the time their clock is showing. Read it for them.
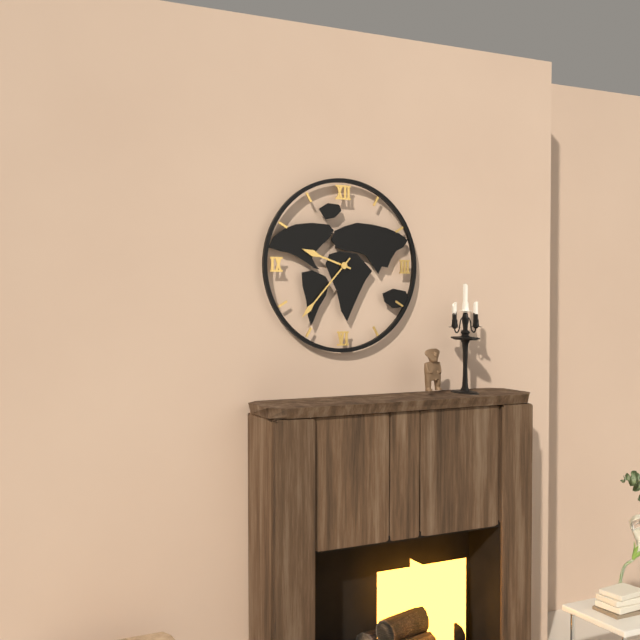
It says 9:37
